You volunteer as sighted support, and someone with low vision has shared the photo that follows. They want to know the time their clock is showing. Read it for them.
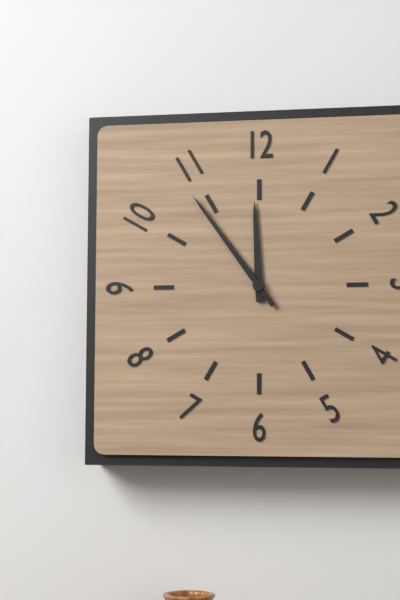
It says 11:54
